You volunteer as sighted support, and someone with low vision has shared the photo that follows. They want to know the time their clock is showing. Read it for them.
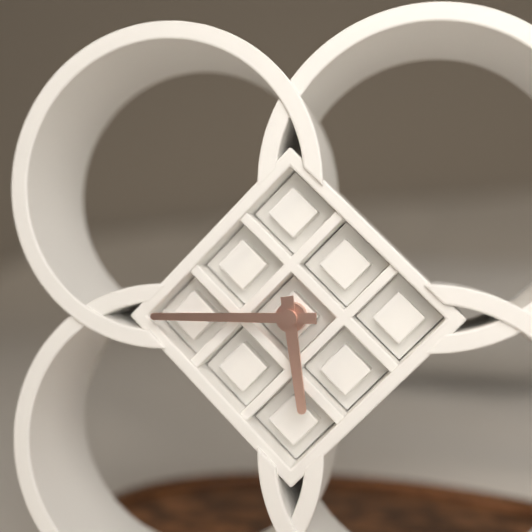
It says 5:45
